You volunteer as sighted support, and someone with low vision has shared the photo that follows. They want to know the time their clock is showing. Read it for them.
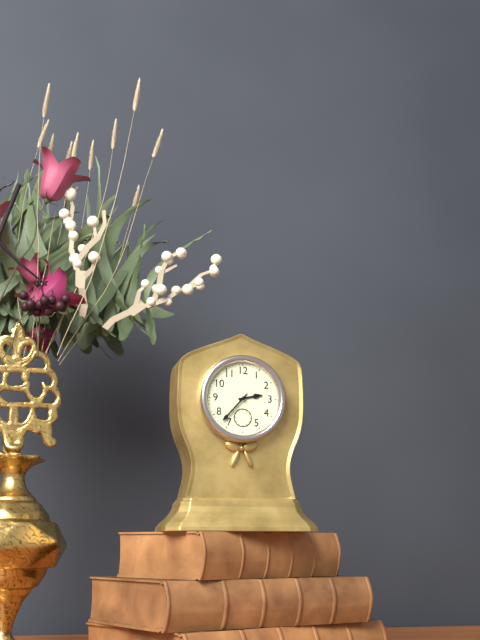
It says 2:37
